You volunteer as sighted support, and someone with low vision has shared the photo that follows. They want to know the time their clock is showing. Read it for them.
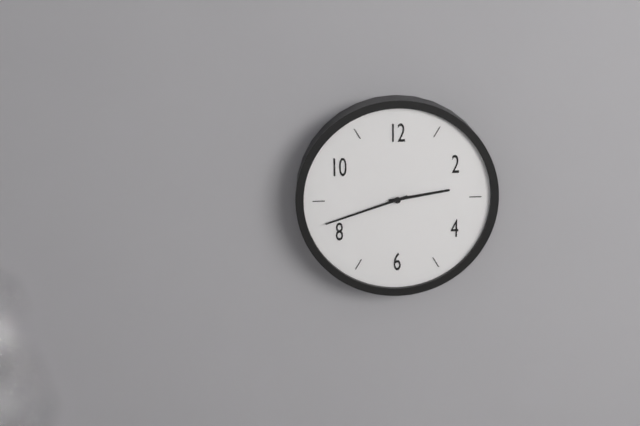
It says 2:42
